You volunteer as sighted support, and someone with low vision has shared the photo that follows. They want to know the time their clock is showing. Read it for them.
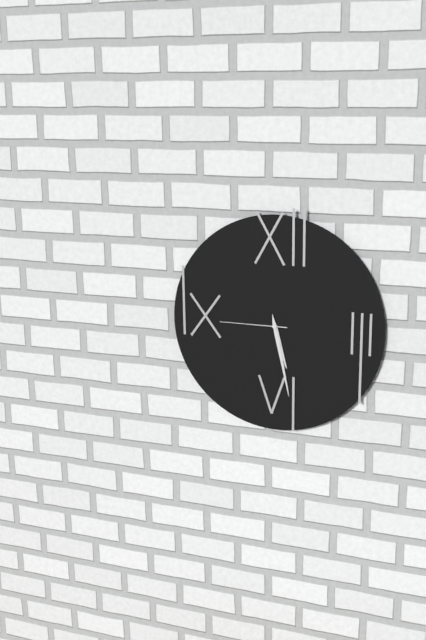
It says 5:28:45
